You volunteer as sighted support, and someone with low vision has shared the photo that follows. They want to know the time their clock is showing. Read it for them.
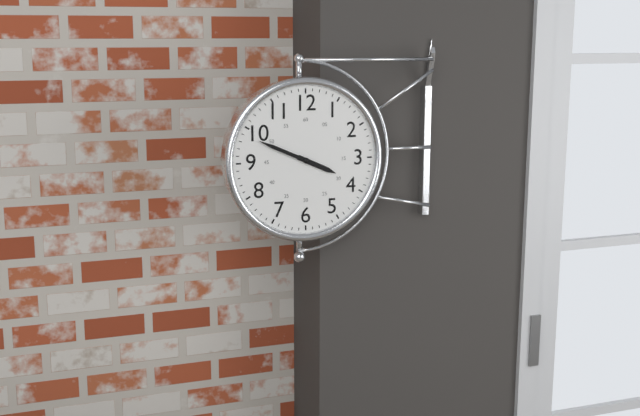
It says 3:49
